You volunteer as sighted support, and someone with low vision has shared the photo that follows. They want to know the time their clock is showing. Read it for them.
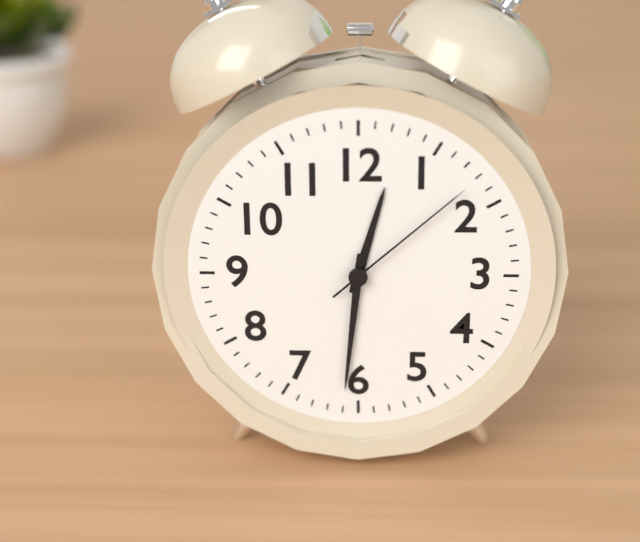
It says 12:31:08
